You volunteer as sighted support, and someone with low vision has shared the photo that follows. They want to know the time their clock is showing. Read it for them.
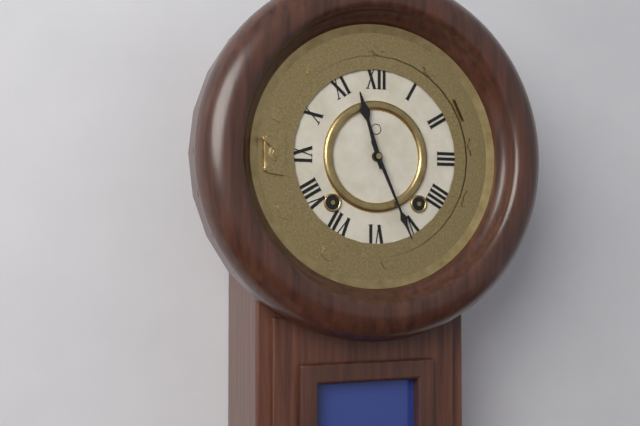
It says 11:26
